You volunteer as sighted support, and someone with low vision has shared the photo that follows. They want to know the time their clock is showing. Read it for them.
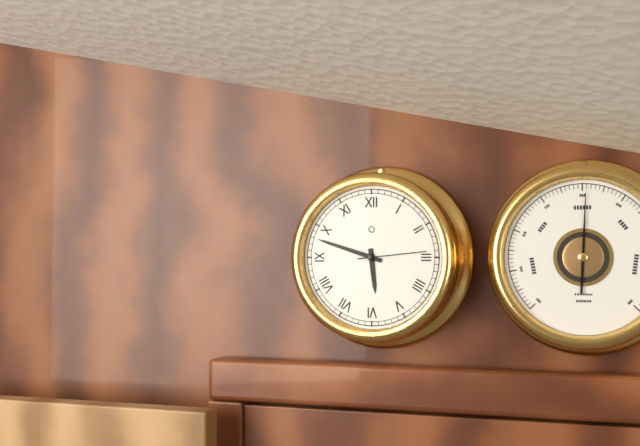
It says 5:48:14
